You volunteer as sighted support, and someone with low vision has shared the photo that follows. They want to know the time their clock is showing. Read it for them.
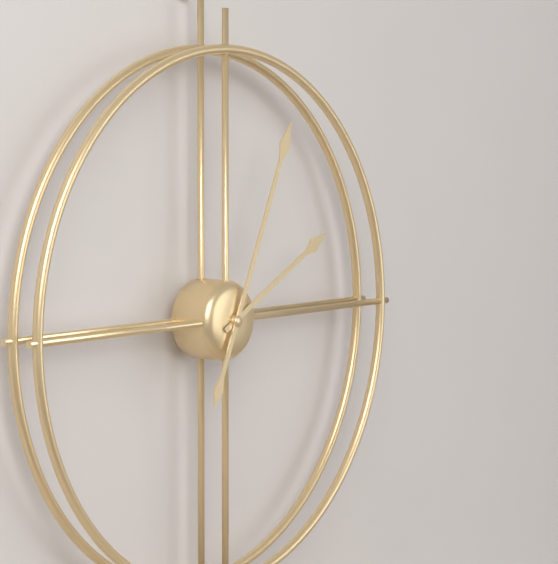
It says 2:04
